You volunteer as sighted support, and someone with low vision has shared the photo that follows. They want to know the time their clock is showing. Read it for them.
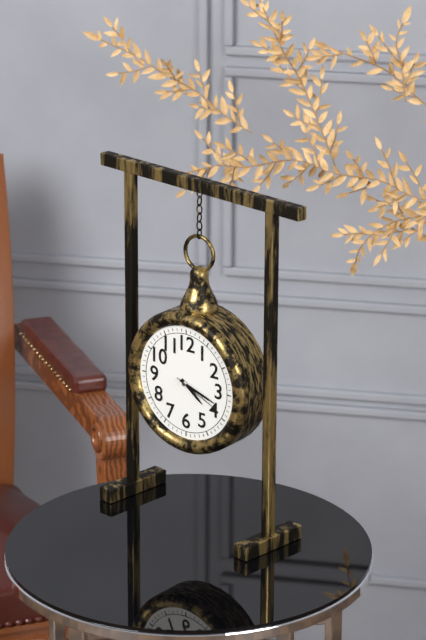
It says 4:18:19
